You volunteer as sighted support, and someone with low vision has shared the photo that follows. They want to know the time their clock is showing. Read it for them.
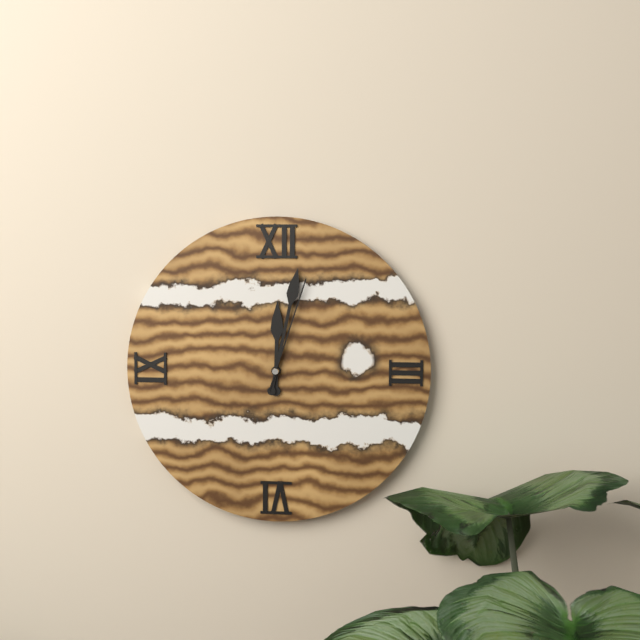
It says 12:02:03
